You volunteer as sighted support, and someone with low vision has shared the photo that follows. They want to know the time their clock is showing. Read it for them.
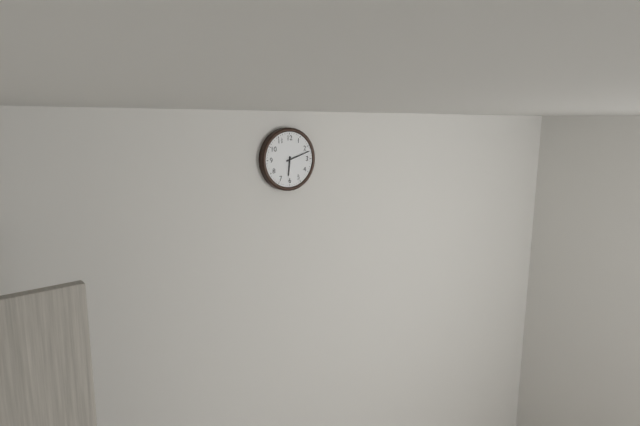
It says 6:12
